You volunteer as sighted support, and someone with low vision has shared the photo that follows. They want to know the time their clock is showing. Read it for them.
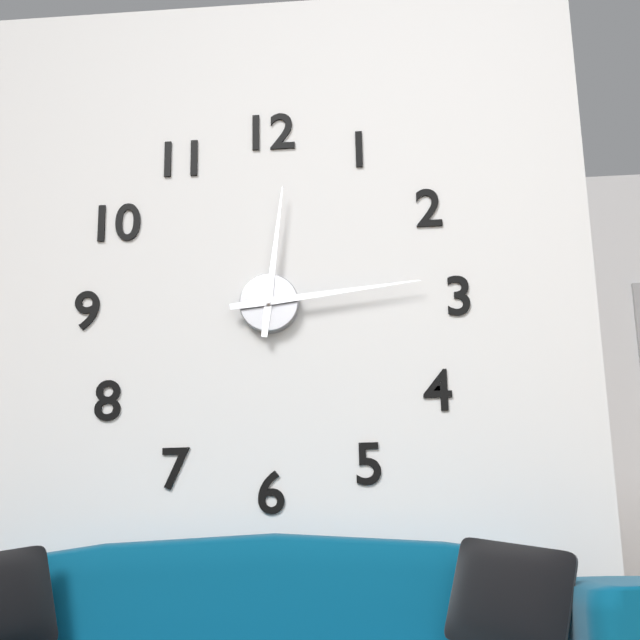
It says 12:14
